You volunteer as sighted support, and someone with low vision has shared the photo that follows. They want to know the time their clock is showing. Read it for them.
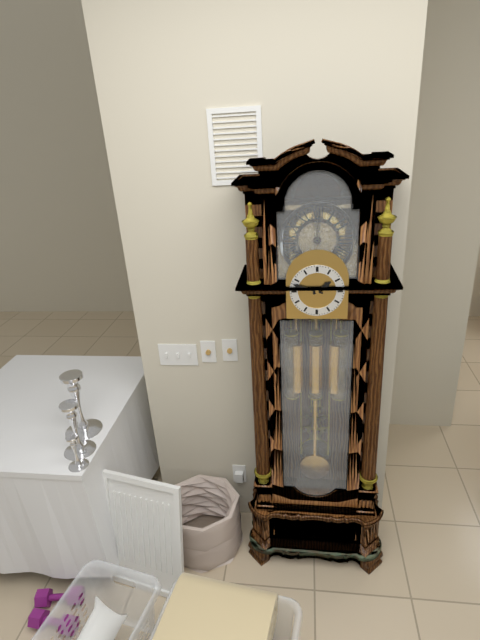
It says 1:48
